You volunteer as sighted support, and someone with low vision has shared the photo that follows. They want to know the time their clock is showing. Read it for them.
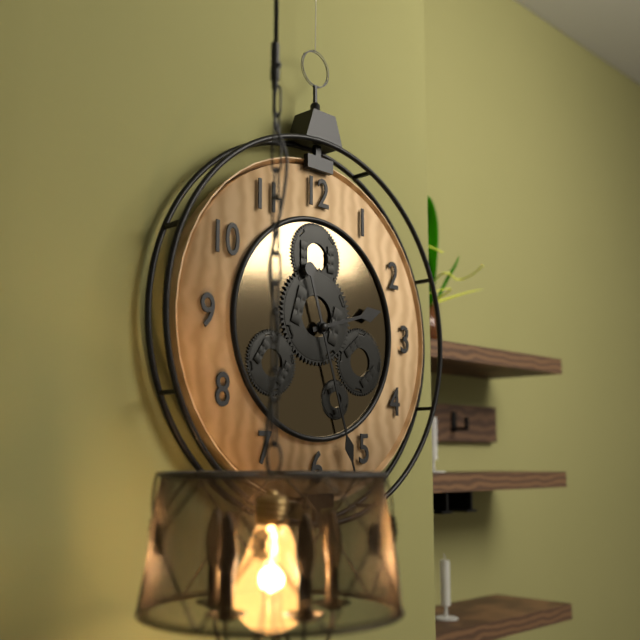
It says 2:27
